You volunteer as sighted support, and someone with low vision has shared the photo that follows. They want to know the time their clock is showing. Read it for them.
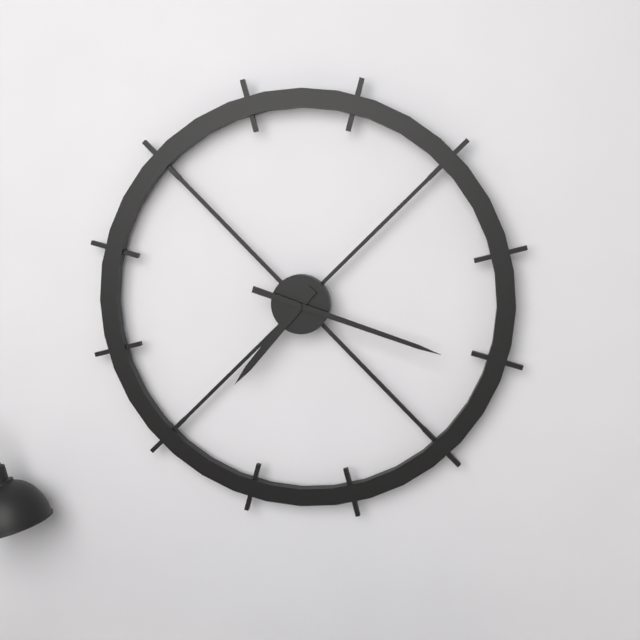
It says 7:18
